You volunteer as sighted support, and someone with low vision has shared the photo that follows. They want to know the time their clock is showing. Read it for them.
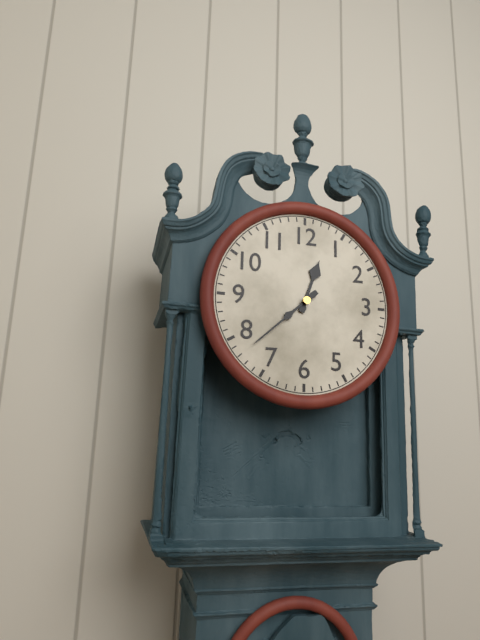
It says 12:38
